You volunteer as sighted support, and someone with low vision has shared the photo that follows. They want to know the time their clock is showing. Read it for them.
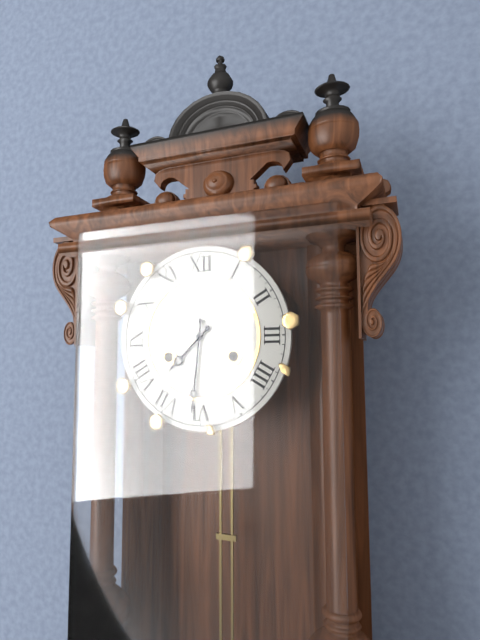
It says 7:31
